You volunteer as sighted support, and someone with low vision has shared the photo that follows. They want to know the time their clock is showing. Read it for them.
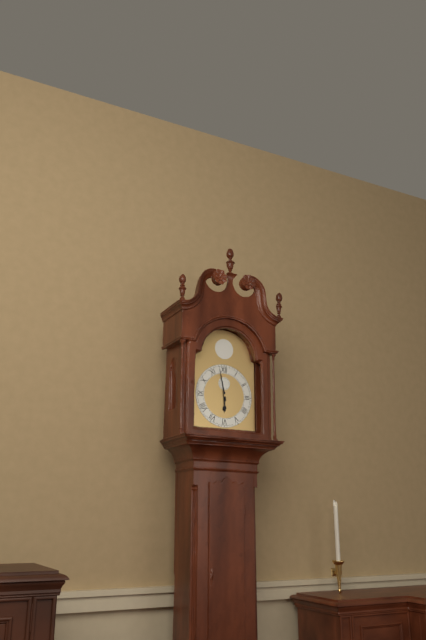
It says 5:58
